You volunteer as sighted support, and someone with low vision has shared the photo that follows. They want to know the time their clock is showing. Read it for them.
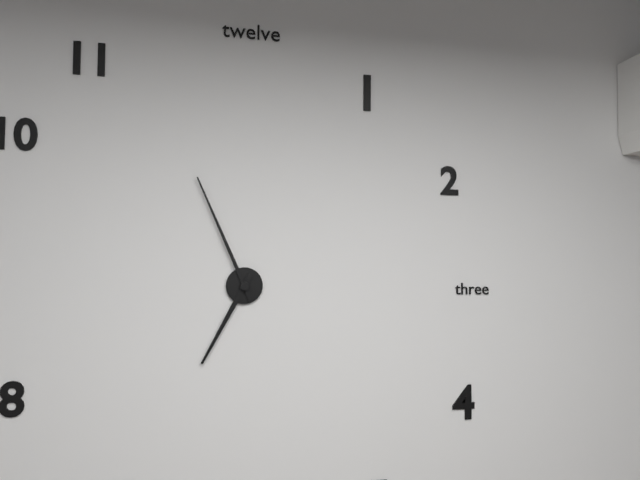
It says 6:56
